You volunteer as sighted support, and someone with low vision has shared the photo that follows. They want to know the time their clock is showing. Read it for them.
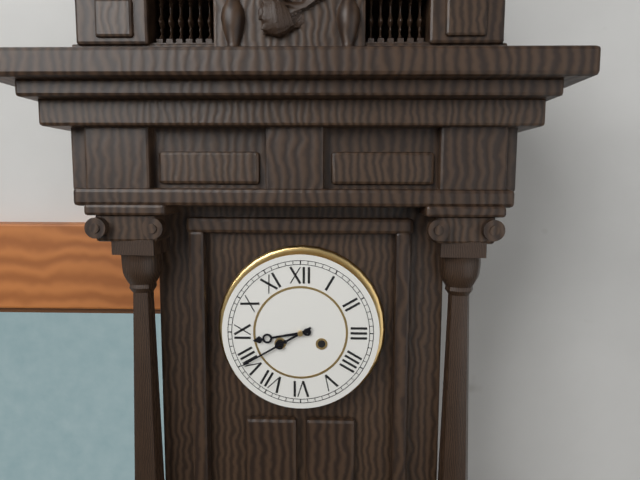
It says 8:40
